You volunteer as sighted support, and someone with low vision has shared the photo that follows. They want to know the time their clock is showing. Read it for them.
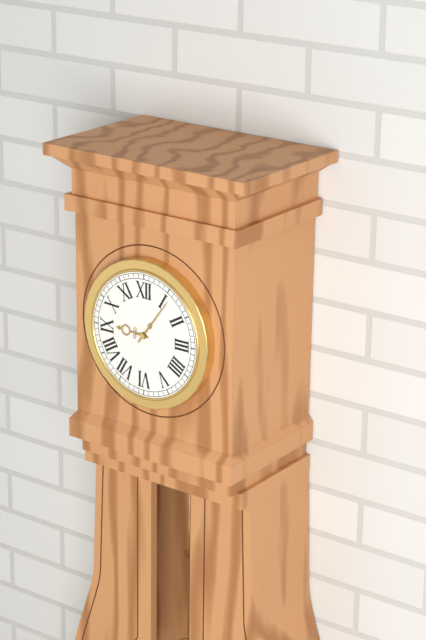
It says 9:06
